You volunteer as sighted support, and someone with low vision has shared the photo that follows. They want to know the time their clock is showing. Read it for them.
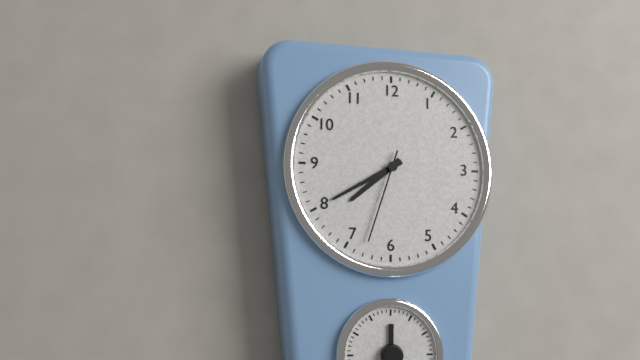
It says 7:40:33
